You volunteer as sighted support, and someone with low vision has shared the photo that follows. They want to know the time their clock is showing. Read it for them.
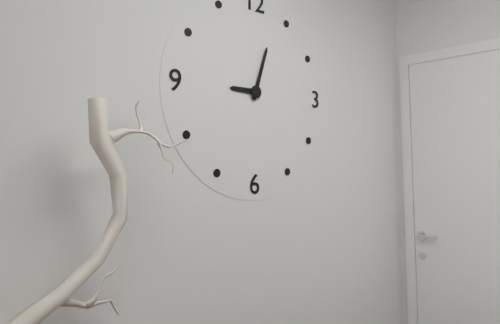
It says 9:03
